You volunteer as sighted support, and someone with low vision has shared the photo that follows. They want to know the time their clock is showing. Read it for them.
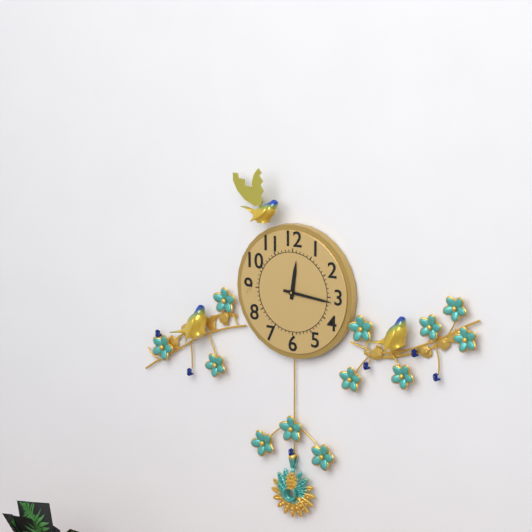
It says 12:16
